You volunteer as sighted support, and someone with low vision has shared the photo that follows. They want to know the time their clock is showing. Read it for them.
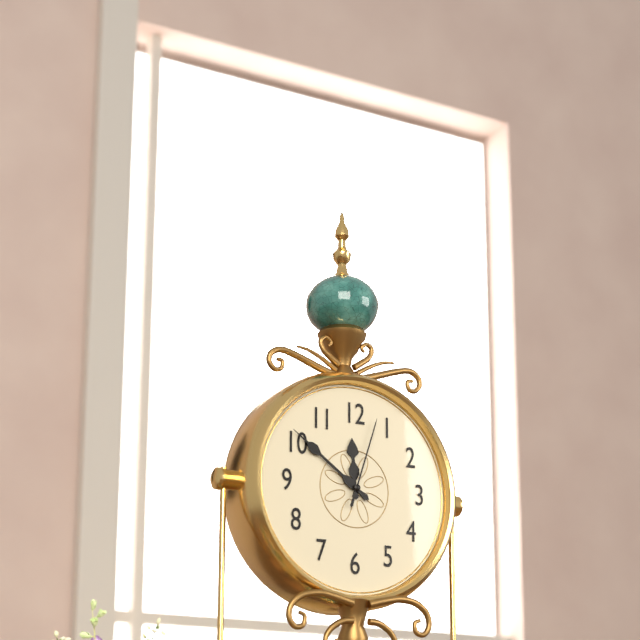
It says 11:51:03
